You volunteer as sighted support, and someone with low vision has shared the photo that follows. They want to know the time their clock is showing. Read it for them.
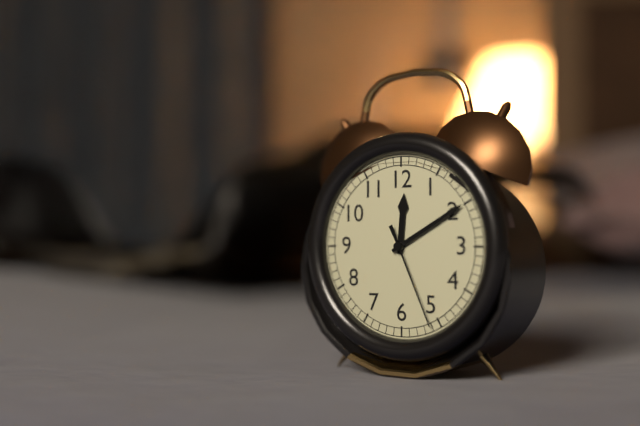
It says 12:10:26
